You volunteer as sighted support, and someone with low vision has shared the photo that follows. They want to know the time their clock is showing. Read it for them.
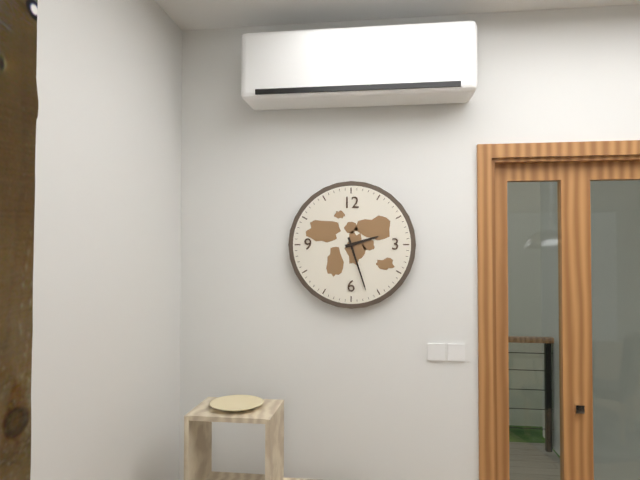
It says 2:27
